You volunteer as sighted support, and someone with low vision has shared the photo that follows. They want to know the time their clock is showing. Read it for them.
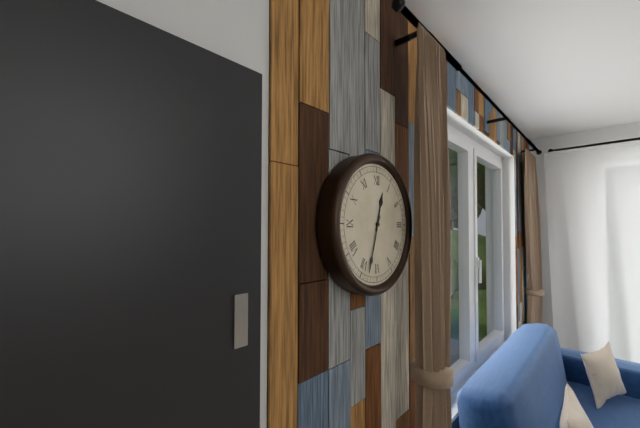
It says 12:33
